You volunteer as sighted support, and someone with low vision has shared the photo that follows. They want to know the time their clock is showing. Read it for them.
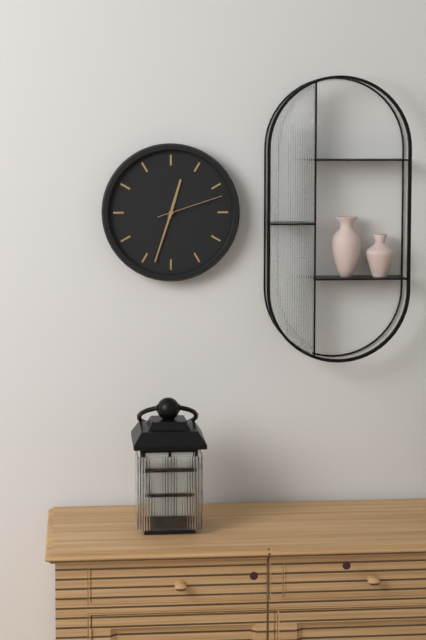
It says 12:33:12
